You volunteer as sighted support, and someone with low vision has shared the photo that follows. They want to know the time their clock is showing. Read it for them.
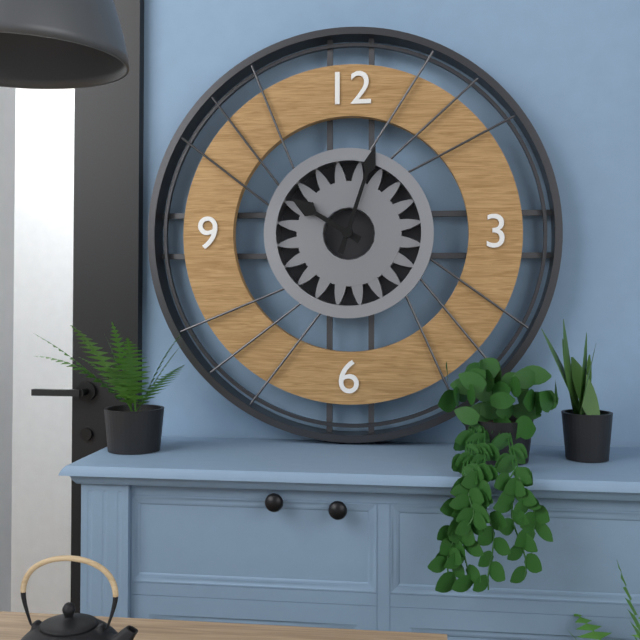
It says 10:03
